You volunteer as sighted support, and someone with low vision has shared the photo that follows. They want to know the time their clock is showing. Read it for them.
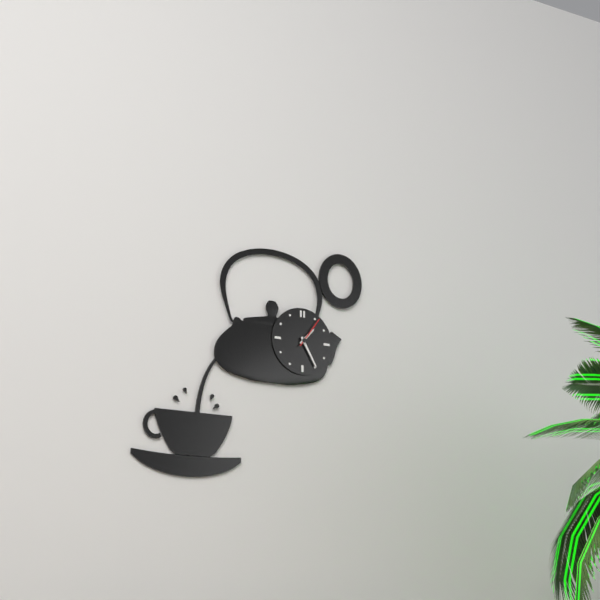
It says 1:25
